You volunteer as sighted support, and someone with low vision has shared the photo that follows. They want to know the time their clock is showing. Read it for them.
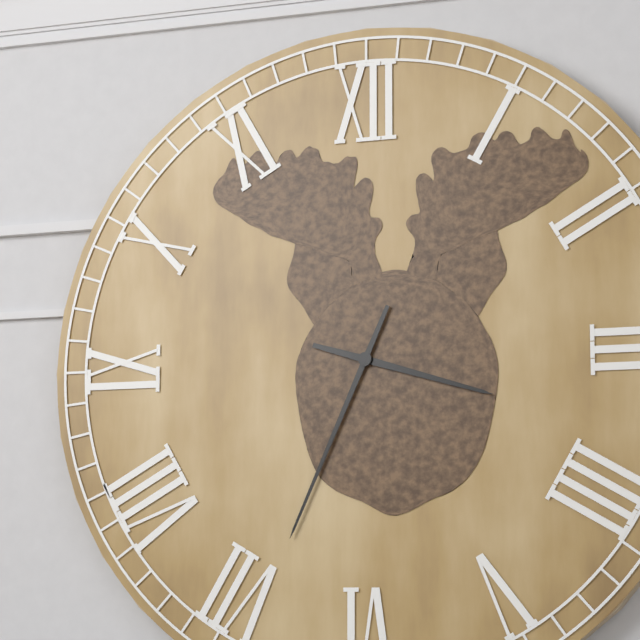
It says 3:34
